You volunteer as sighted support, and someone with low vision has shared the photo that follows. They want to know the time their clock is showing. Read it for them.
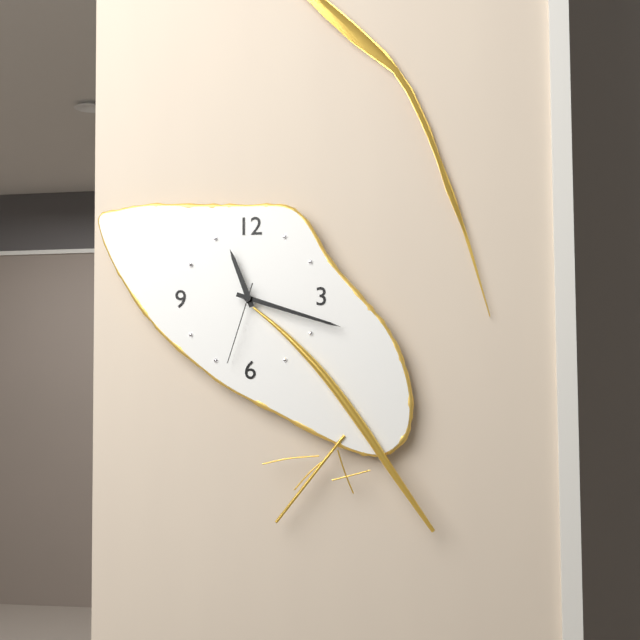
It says 11:18:33
